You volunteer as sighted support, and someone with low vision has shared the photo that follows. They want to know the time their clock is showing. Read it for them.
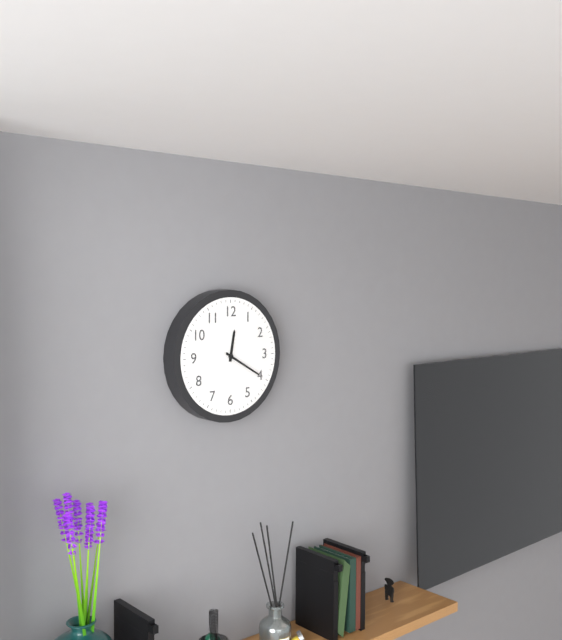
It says 12:20
